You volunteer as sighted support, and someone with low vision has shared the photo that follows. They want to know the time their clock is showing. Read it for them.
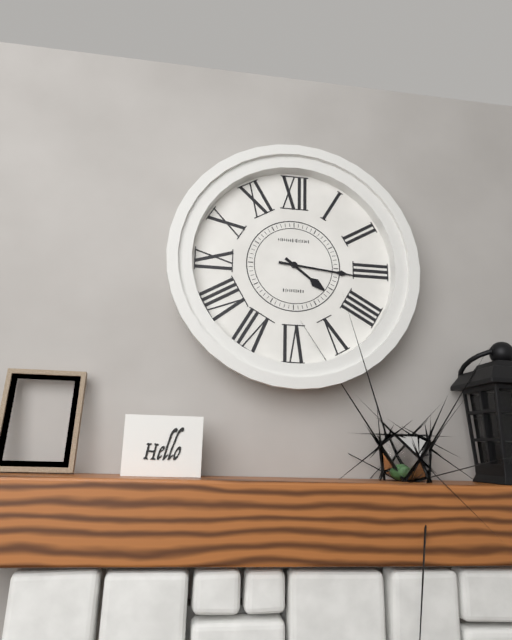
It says 4:16
